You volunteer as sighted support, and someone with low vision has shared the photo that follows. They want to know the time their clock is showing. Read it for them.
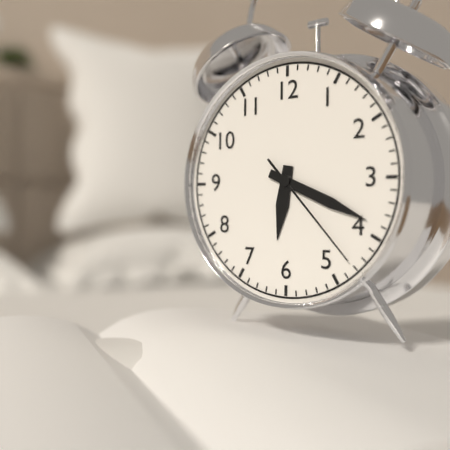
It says 6:19:23
